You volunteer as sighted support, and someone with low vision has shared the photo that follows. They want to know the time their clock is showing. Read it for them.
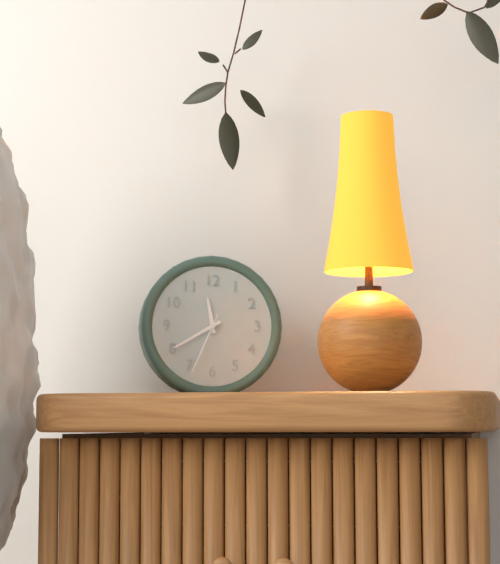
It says 11:40:34
